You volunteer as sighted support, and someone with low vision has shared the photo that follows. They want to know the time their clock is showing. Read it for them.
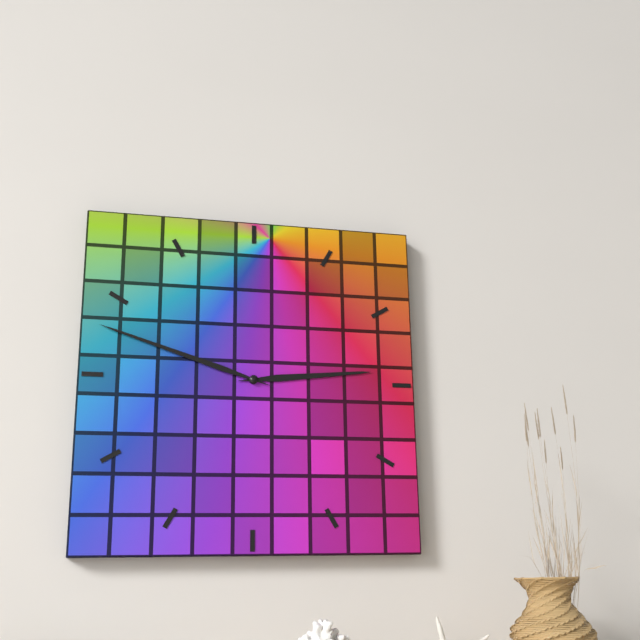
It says 2:48
